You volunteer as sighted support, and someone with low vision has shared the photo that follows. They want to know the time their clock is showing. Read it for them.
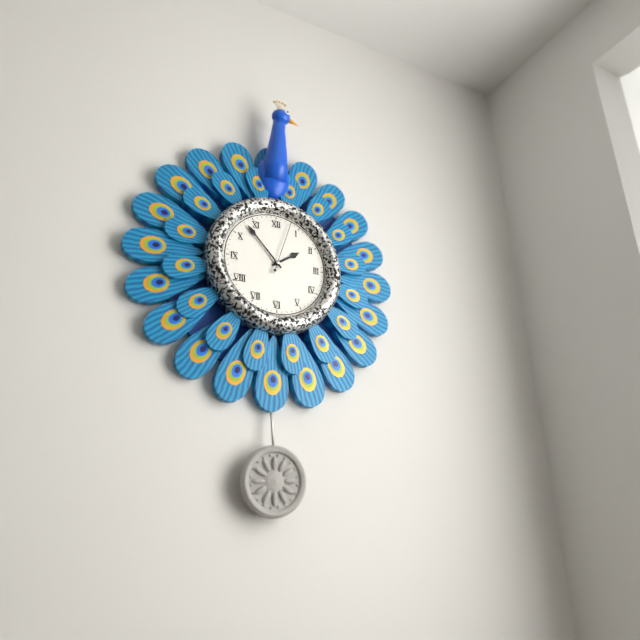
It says 1:53:03
